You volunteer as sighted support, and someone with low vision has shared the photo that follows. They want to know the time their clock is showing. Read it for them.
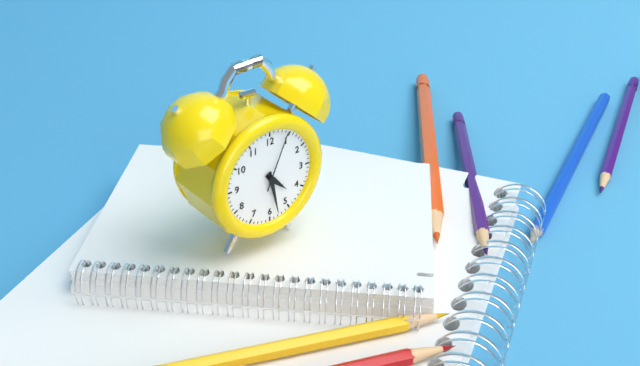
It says 4:28:04
